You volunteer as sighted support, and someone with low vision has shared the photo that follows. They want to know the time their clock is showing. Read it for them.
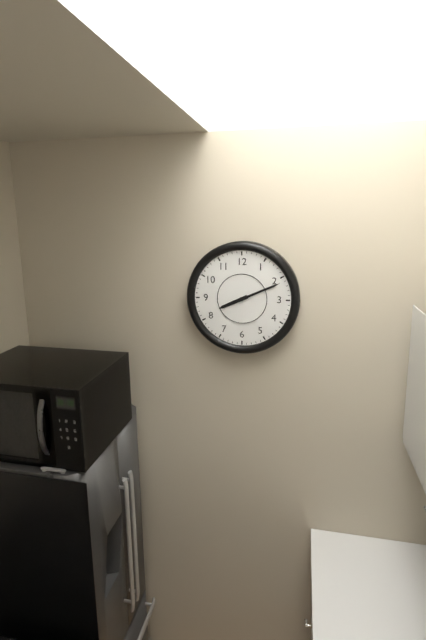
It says 8:11
